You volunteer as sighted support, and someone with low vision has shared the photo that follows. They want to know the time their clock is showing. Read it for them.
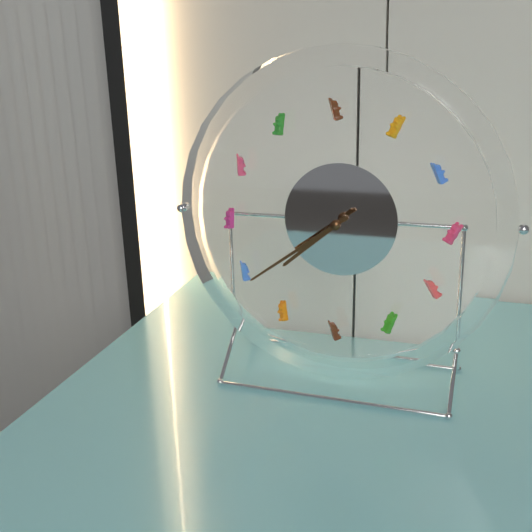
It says 7:39
